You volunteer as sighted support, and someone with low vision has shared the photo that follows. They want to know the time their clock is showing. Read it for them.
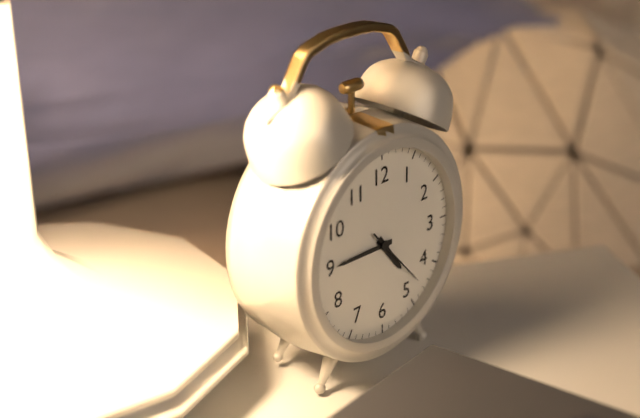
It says 4:45:23
